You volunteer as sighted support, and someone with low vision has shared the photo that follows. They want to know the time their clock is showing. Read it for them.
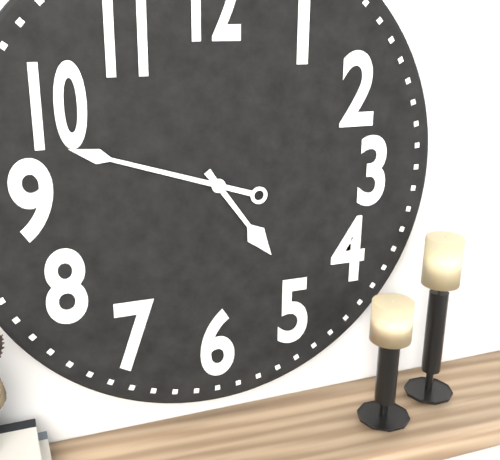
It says 4:48
